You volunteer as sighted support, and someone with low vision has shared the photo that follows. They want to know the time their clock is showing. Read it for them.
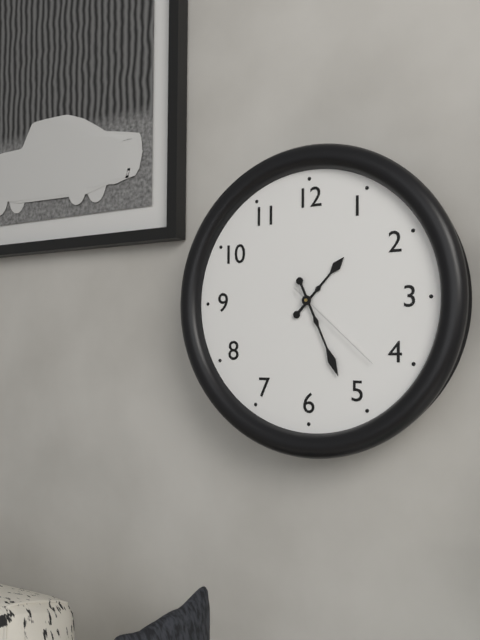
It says 1:26:22
